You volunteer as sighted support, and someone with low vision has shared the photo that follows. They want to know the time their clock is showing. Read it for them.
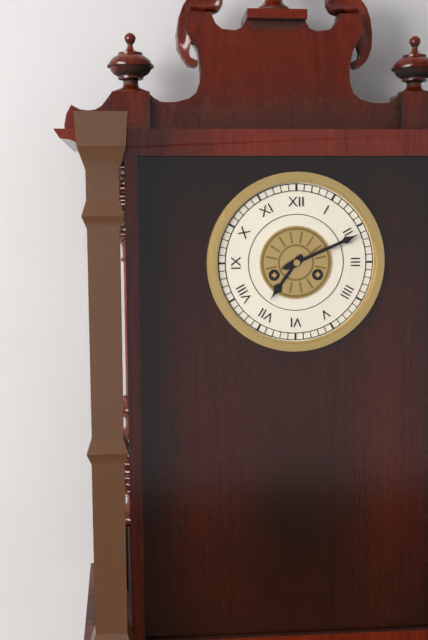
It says 7:11
